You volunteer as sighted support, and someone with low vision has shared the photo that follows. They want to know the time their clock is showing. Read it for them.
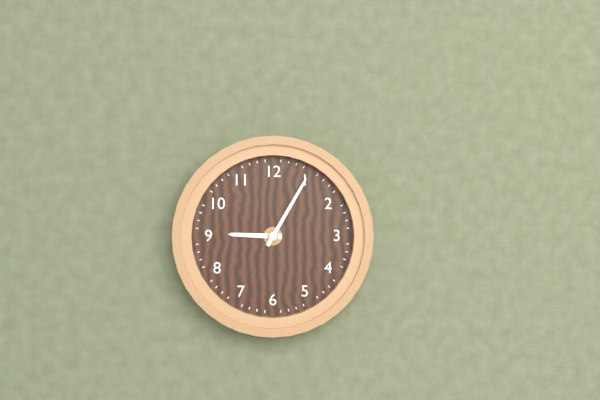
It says 9:05
